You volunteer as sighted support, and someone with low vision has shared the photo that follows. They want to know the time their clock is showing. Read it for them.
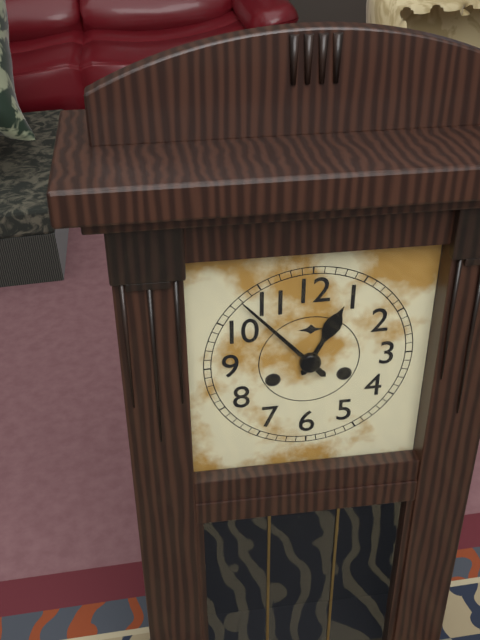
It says 12:53
